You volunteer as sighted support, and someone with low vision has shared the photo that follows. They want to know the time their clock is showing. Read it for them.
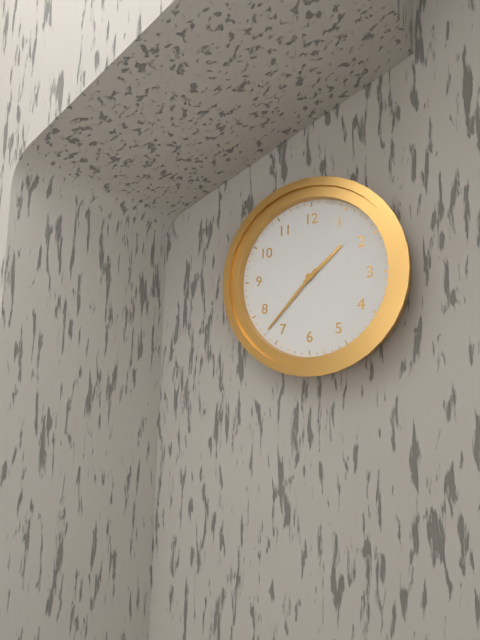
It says 1:37
